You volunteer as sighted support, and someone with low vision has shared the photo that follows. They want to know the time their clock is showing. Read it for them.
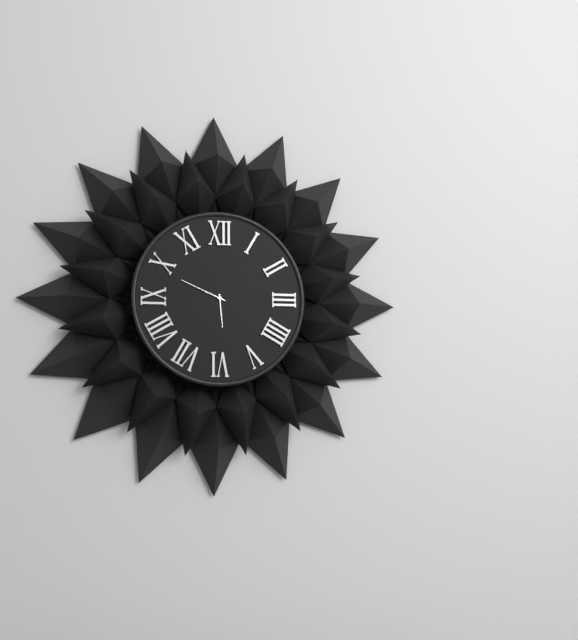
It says 5:49
